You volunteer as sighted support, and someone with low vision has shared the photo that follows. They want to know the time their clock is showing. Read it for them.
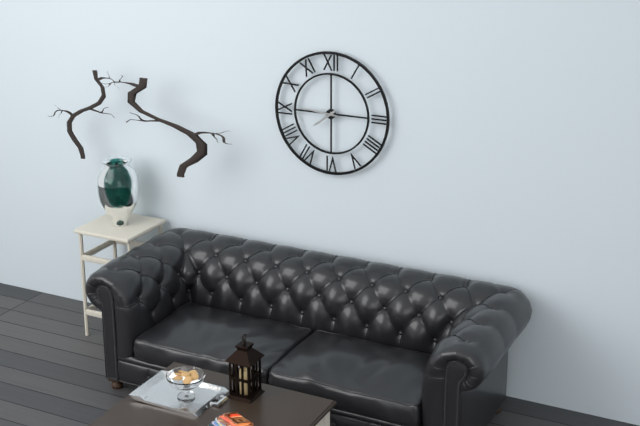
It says 7:46
